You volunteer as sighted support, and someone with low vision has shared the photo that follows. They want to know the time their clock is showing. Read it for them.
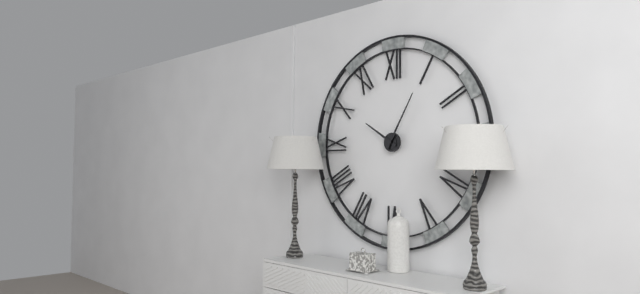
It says 10:05
